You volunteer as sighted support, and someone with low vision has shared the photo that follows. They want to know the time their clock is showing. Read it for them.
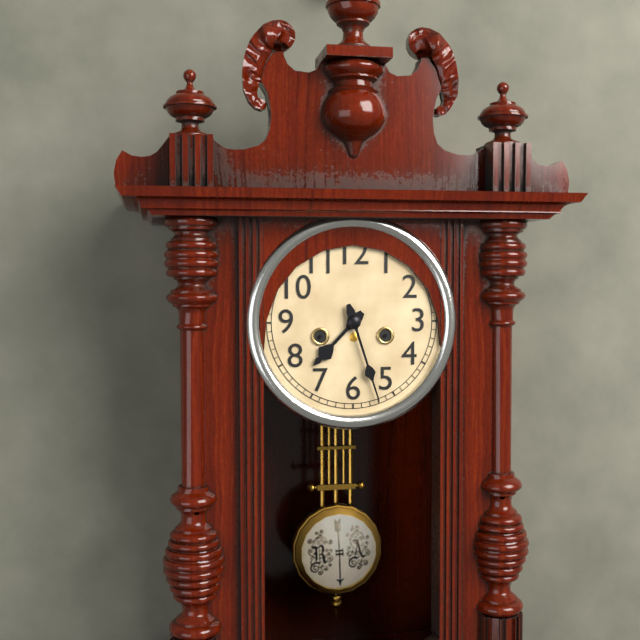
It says 7:27
